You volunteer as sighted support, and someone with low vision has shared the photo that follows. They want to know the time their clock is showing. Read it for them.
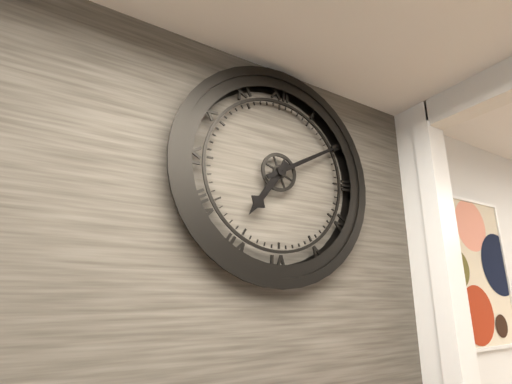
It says 7:10
